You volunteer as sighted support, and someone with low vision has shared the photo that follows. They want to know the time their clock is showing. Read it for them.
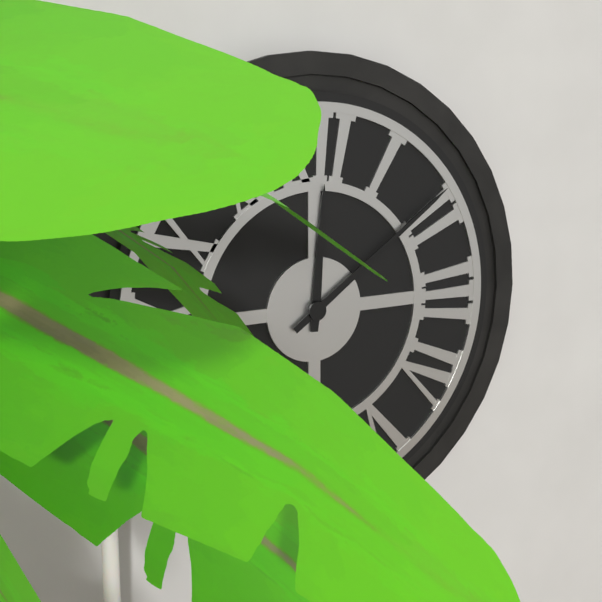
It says 12:09
